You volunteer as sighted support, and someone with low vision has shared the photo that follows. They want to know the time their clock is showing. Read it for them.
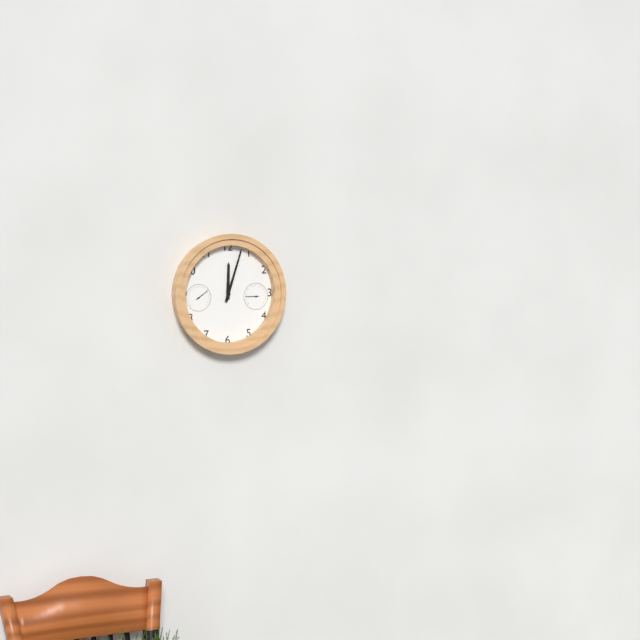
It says 12:03
